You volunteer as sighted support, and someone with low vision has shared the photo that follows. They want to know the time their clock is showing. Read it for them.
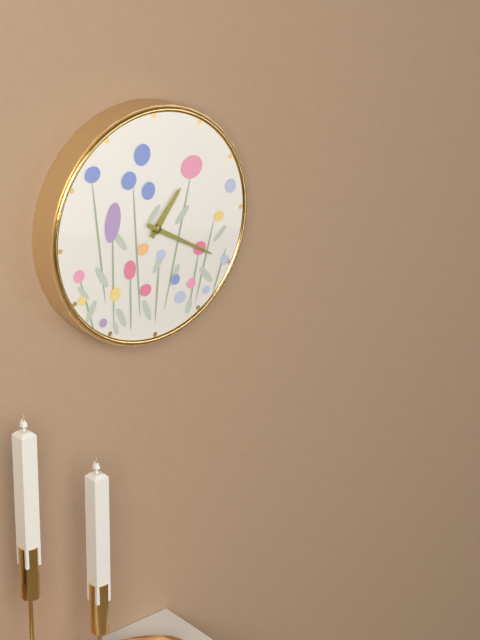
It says 1:20
